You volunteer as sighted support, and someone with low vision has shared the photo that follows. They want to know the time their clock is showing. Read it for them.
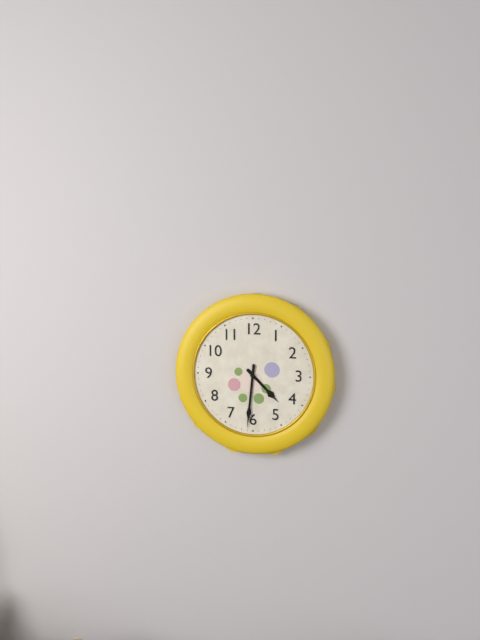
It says 4:31
